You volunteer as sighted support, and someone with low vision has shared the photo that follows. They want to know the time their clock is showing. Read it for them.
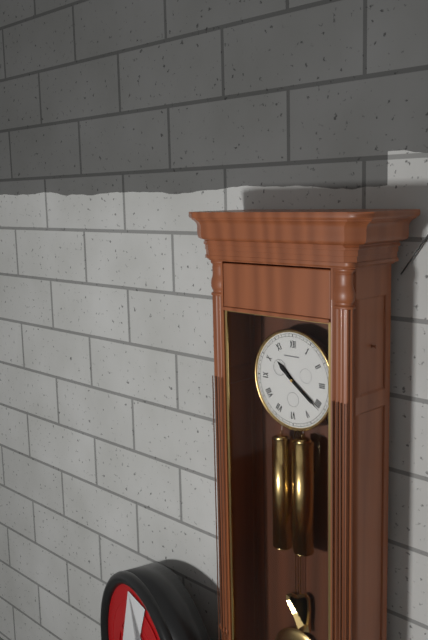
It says 10:21
